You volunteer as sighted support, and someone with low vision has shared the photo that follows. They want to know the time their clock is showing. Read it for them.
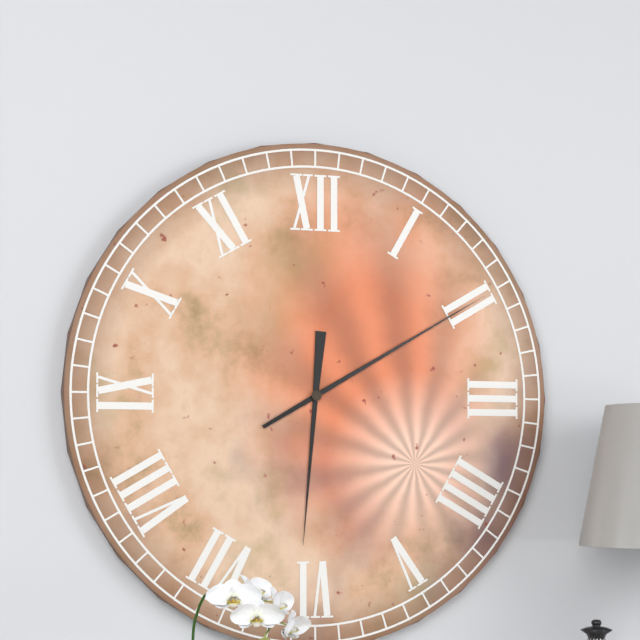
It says 6:10
